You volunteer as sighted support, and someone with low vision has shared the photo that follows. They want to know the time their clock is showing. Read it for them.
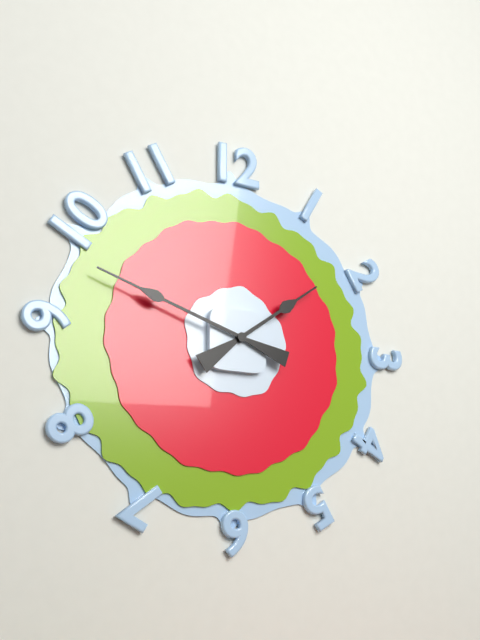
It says 1:48
